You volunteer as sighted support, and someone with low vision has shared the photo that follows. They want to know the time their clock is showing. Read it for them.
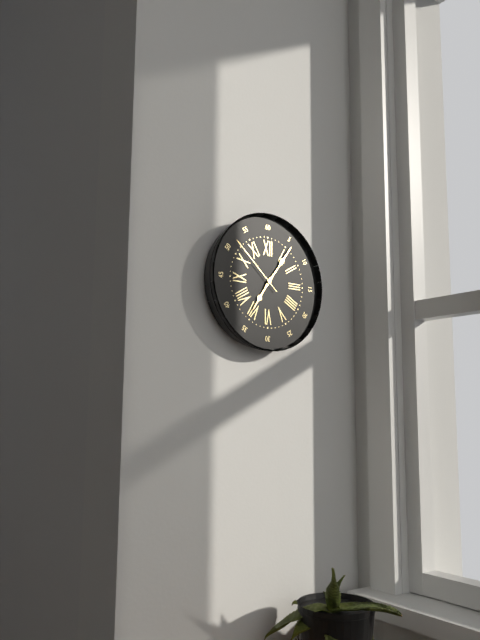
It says 7:06:52
